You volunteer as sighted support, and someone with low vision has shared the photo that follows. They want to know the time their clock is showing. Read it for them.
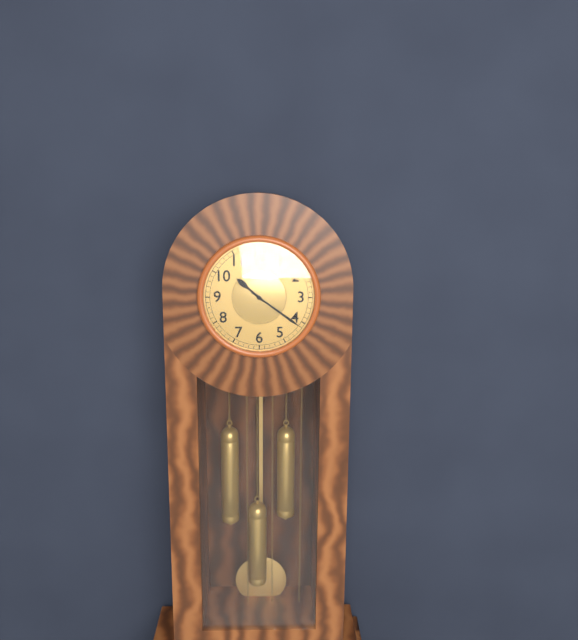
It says 10:21
